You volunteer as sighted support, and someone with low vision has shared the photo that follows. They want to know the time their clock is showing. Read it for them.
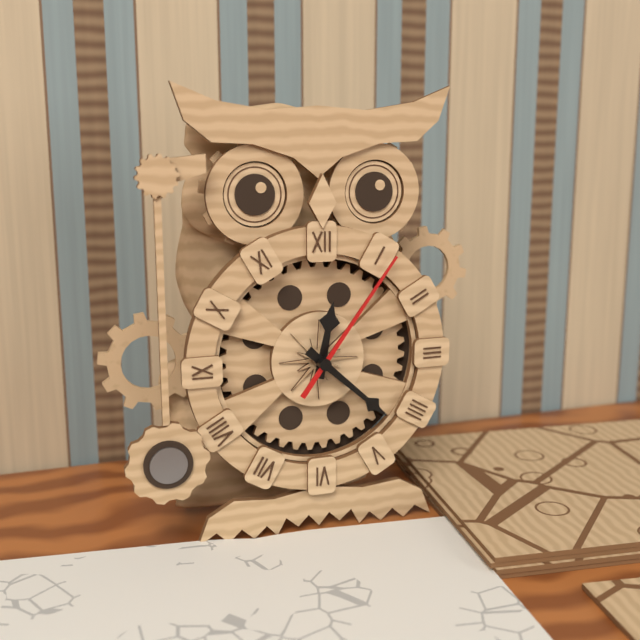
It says 12:22:06
